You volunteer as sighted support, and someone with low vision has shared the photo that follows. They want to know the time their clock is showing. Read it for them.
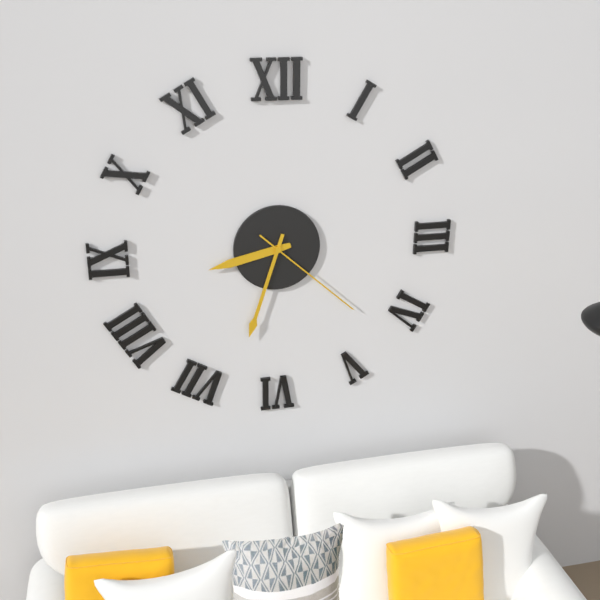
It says 8:33:22
